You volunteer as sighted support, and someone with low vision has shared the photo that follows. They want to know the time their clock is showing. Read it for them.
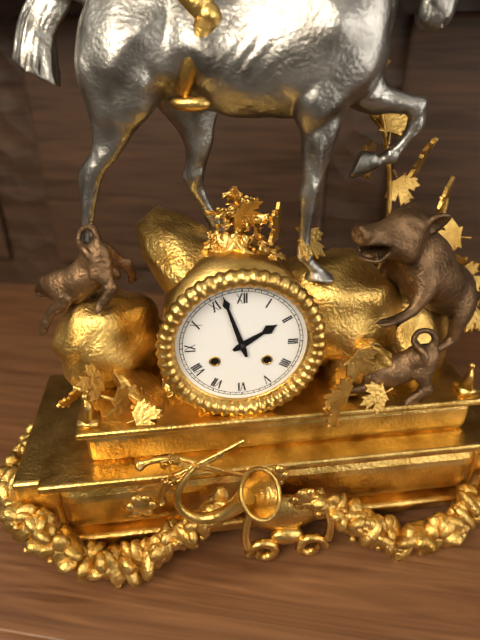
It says 1:57
